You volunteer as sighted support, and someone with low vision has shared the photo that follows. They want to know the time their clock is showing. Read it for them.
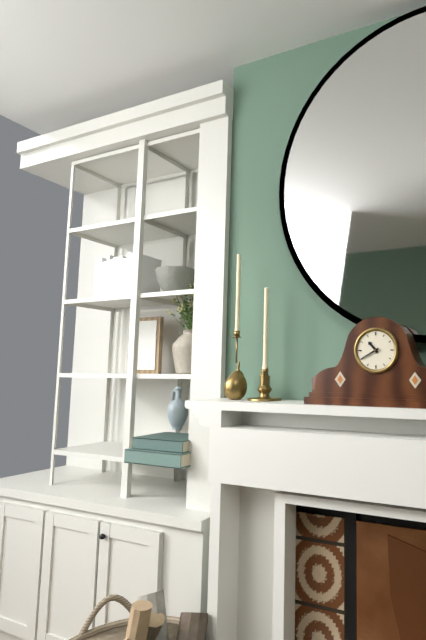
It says 10:40
